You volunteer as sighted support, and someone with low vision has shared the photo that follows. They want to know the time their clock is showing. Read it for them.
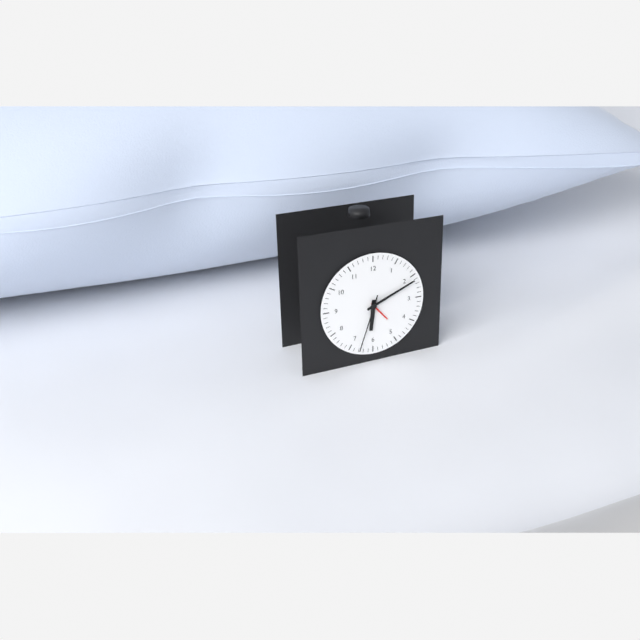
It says 6:11:33
